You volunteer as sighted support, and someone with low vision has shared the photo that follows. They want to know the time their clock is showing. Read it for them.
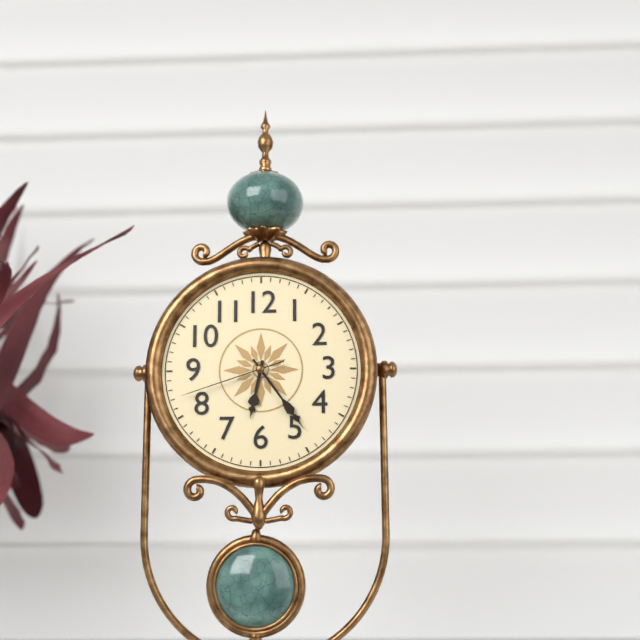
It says 6:24:42
